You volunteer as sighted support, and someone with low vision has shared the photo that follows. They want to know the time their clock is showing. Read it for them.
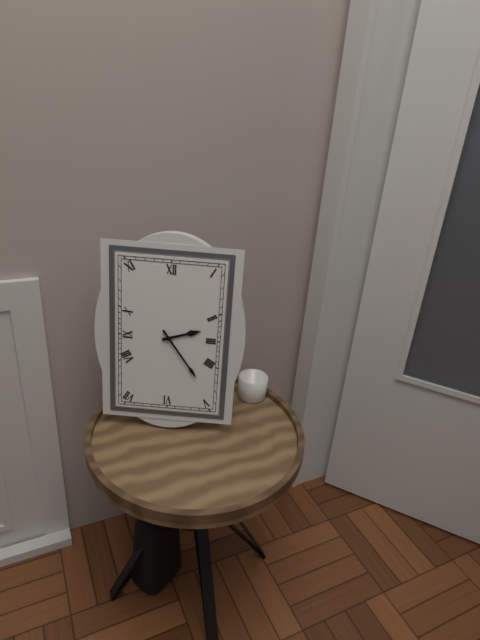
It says 2:24
